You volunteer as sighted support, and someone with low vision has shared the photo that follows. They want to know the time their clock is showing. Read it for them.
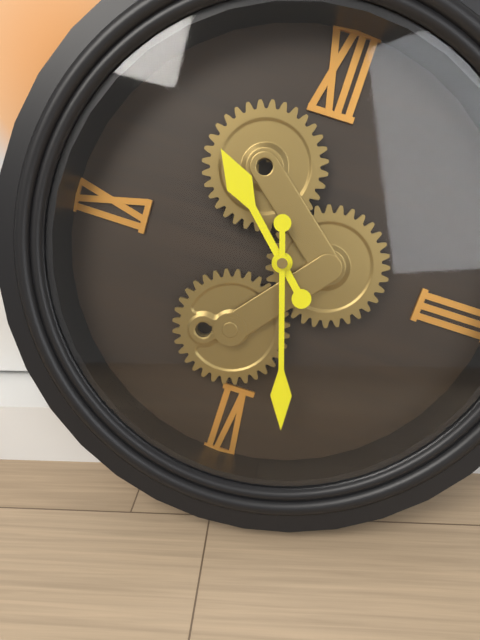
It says 10:27
